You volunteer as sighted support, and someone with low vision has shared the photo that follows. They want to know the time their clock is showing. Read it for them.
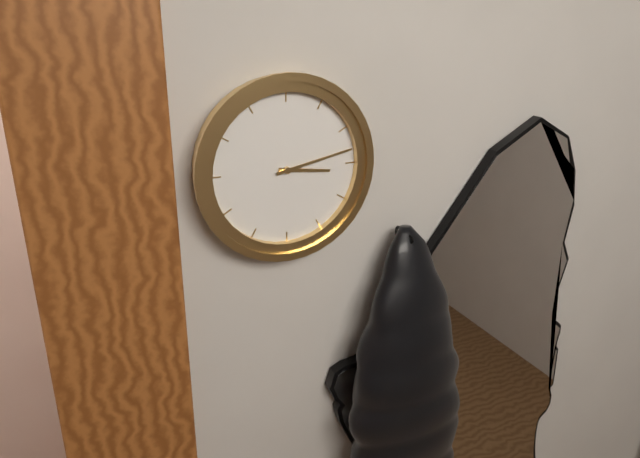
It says 3:13
